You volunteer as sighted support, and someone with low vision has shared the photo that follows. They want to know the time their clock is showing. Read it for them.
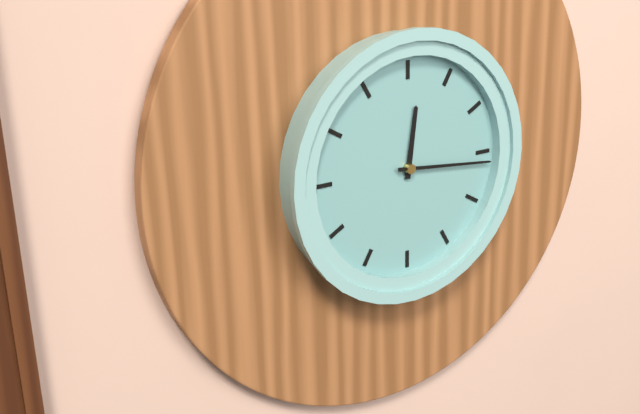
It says 12:16
